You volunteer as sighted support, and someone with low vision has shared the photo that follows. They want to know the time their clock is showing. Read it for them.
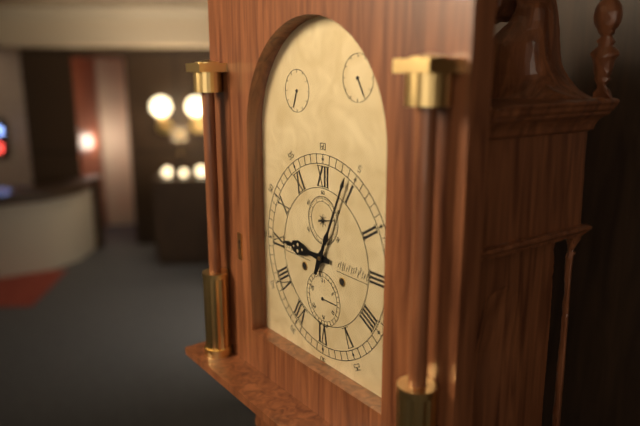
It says 9:04
